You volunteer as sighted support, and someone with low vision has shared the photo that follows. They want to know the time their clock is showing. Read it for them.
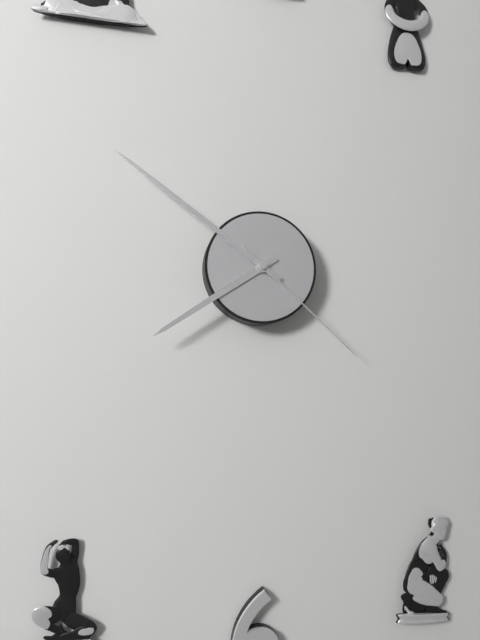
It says 7:51:22
